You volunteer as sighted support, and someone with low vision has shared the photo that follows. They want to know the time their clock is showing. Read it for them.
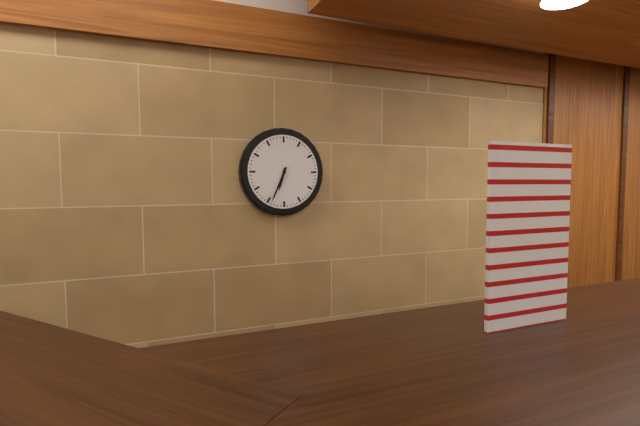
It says 6:34
